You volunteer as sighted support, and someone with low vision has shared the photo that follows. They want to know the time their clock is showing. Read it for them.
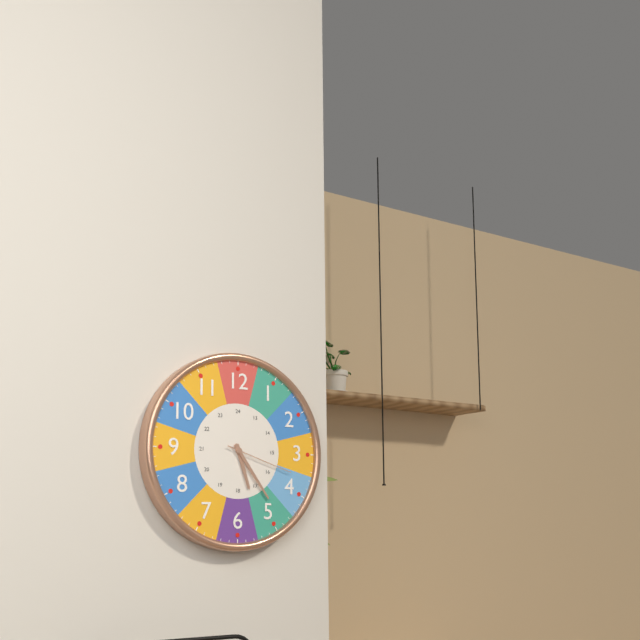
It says 5:24:18
